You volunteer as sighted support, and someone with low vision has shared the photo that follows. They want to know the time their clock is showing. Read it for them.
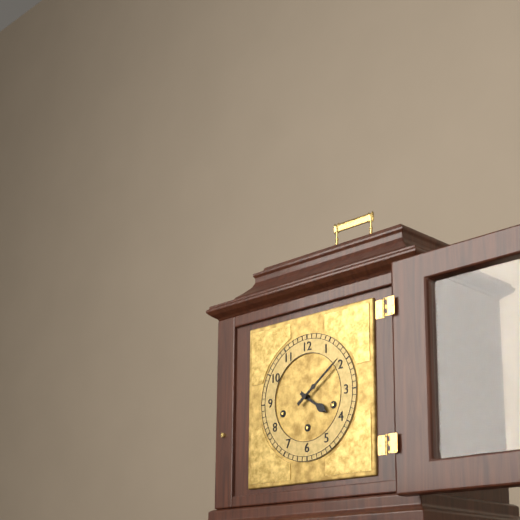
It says 4:09
